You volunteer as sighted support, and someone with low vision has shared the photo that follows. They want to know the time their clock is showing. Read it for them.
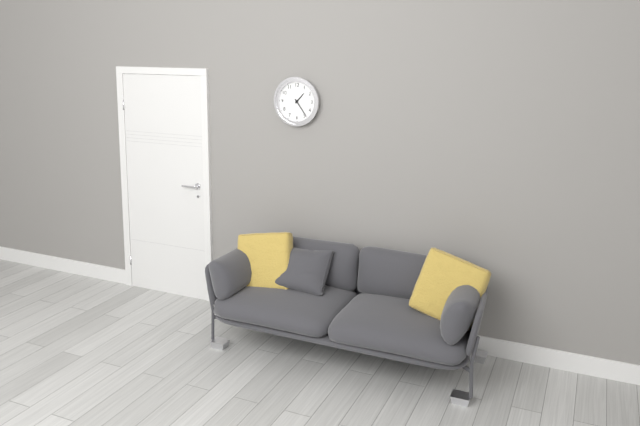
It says 1:24
